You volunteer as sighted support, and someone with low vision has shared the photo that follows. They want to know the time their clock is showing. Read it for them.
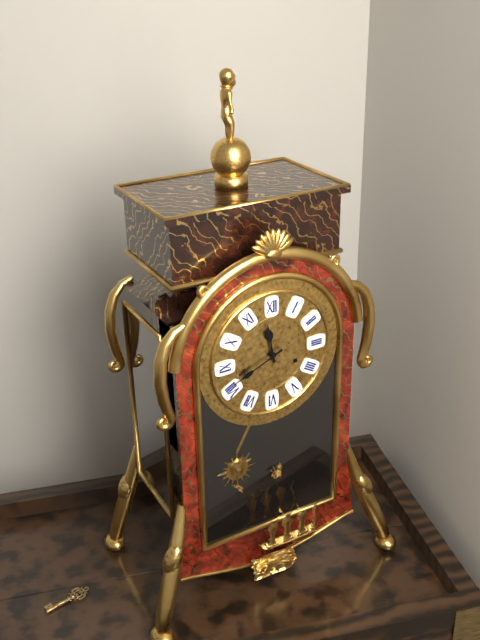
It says 11:41
